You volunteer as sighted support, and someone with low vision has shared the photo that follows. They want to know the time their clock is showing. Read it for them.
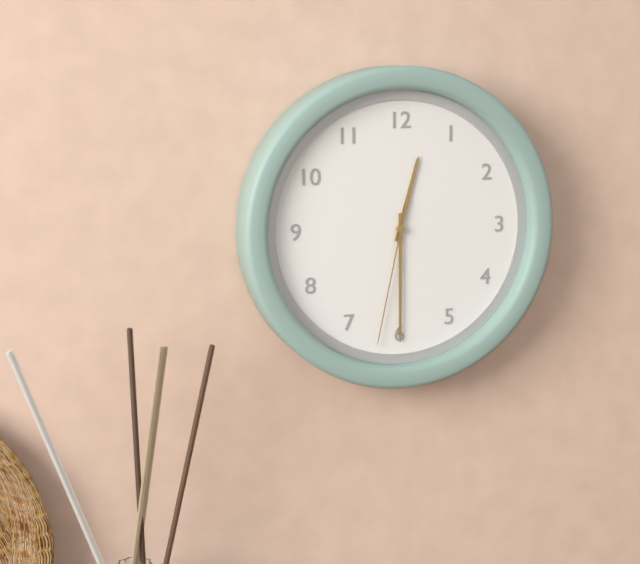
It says 12:30:32
